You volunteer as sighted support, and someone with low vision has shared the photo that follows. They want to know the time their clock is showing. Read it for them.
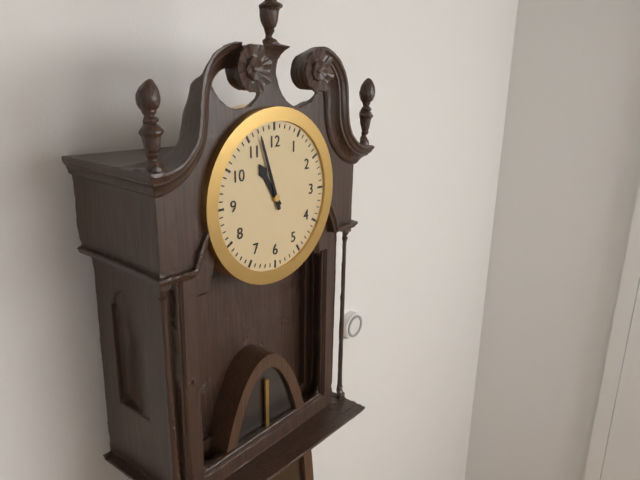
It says 10:57
